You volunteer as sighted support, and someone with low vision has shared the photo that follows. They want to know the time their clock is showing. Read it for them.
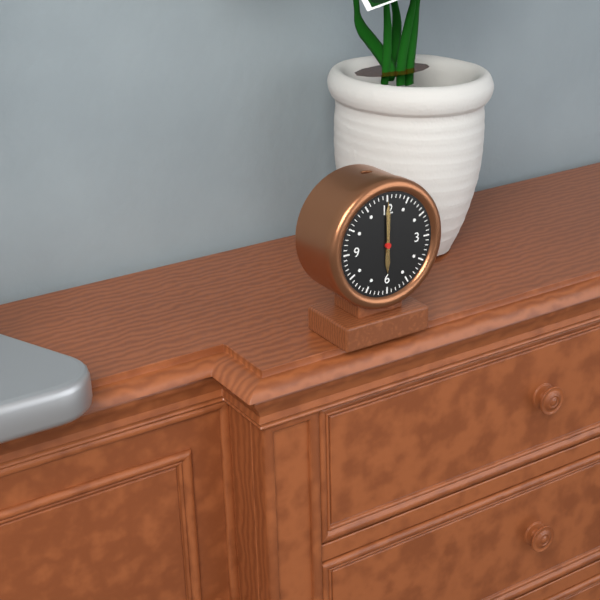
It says 6:00
